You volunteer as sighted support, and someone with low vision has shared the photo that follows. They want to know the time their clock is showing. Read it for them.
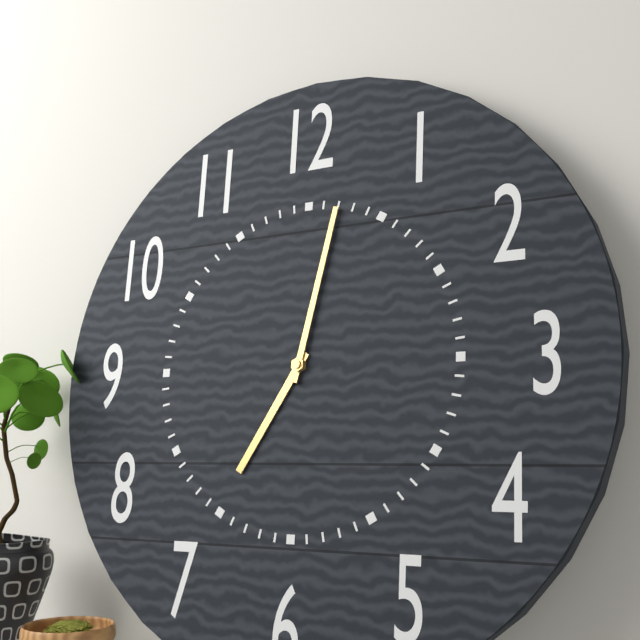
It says 7:02
